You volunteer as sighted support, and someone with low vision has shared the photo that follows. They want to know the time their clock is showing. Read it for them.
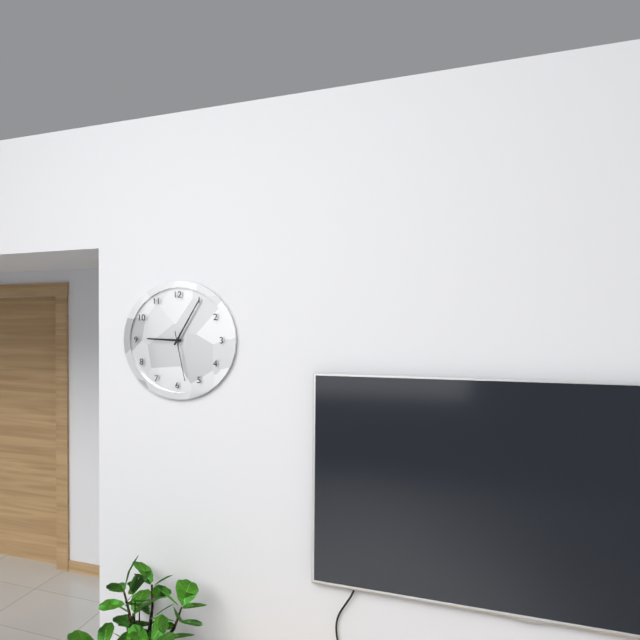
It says 9:05:28
